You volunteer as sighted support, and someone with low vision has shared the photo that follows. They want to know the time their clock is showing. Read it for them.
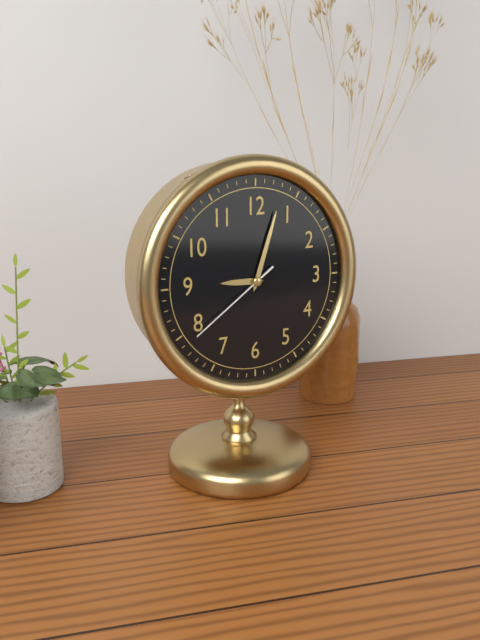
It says 9:03:39
